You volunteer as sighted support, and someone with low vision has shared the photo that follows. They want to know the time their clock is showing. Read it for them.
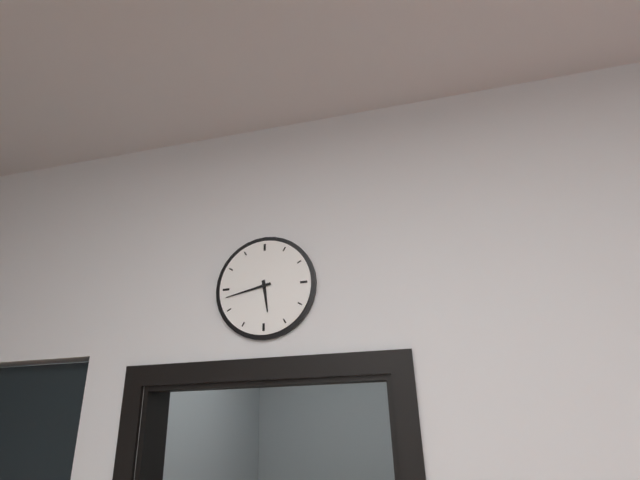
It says 5:43
